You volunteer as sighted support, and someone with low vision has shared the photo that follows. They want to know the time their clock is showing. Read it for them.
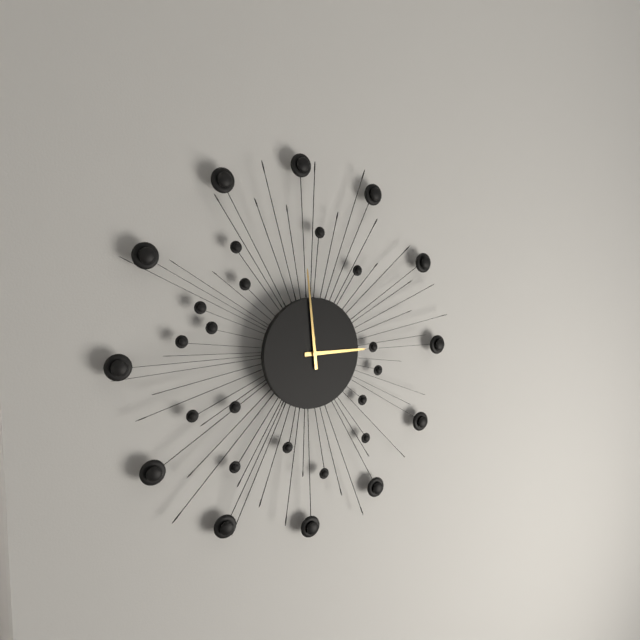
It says 2:59
